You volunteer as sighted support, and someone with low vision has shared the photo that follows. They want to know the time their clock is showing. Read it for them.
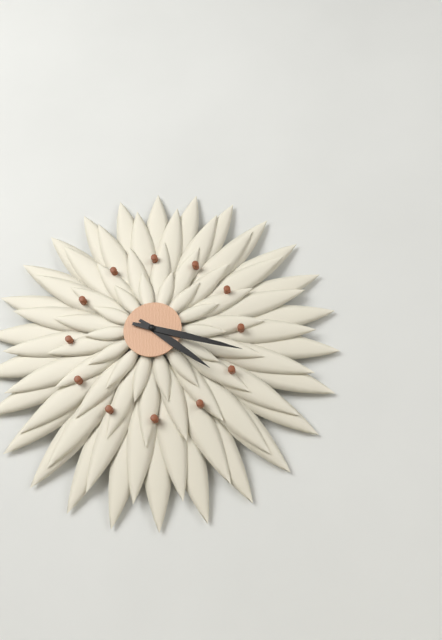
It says 4:18
